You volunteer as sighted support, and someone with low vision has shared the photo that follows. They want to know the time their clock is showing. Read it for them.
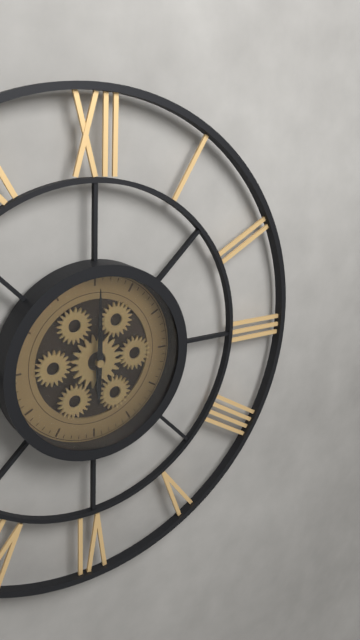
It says 6:00
